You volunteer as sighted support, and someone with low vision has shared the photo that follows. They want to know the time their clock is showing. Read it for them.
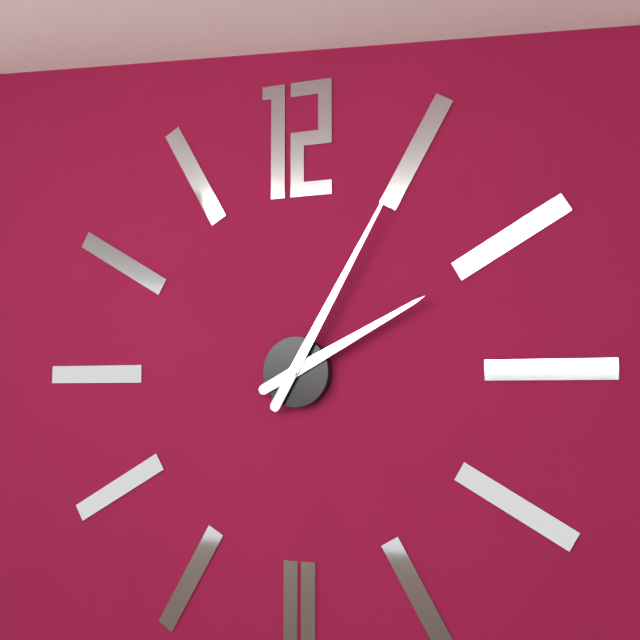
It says 2:05
